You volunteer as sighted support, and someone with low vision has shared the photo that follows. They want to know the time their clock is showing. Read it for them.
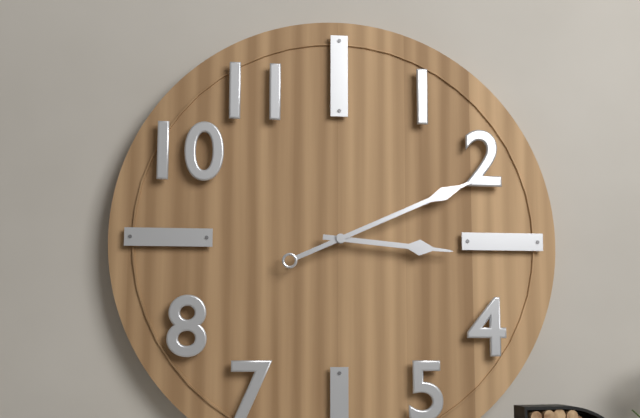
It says 3:11
